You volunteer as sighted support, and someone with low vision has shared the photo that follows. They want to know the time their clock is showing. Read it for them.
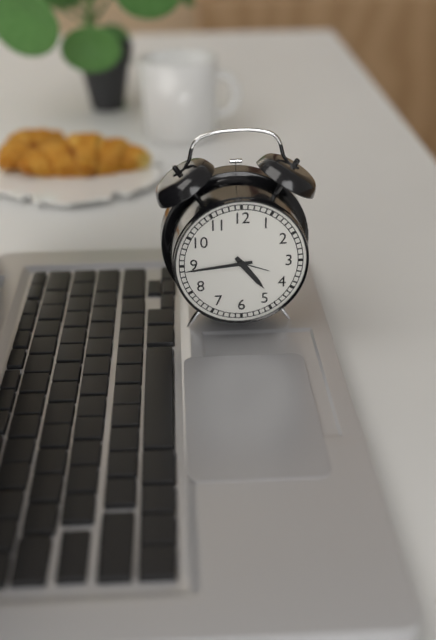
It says 4:44
